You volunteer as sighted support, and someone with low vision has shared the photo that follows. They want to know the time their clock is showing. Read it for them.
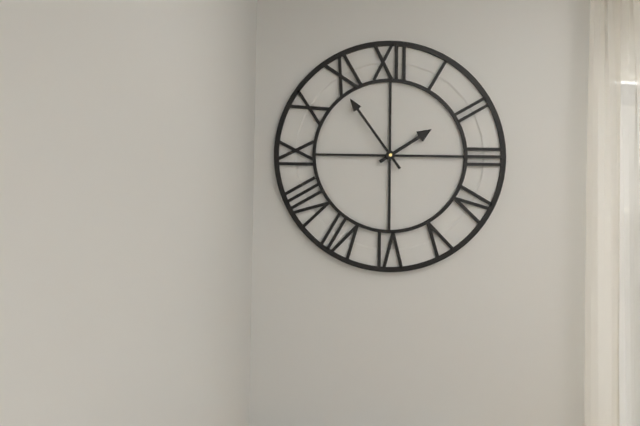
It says 1:54
